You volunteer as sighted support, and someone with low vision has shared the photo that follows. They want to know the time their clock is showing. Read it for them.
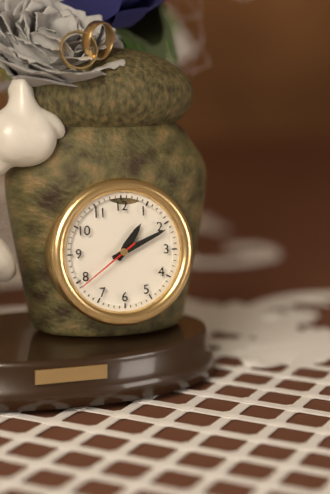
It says 1:11:39
